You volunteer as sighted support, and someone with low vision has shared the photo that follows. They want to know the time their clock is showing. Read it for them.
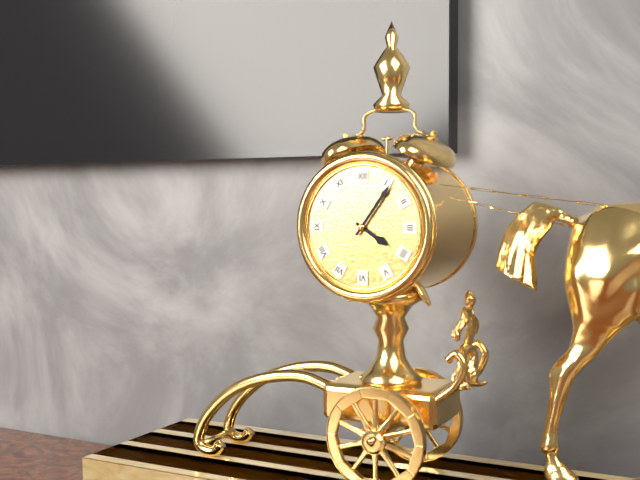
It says 4:06
